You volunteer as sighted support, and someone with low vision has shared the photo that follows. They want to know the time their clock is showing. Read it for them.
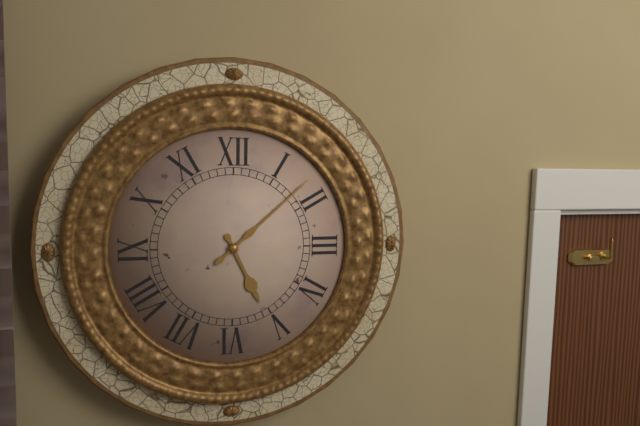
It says 5:08
